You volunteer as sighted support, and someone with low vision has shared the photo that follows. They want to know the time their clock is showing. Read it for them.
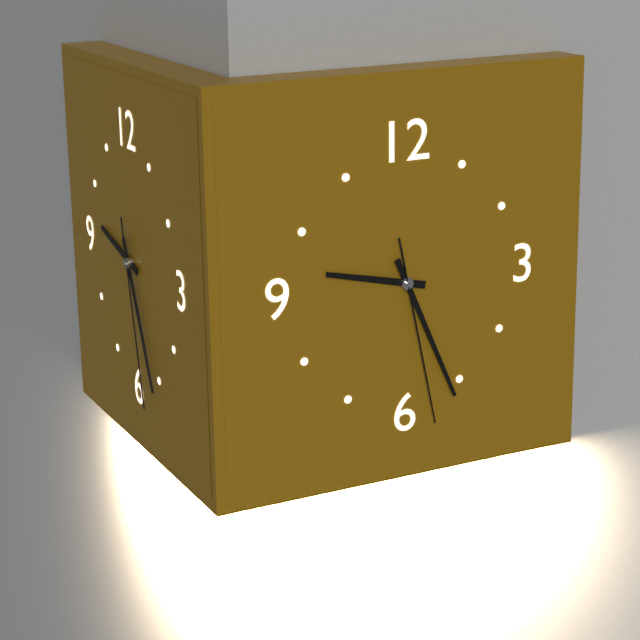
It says 9:26:28
